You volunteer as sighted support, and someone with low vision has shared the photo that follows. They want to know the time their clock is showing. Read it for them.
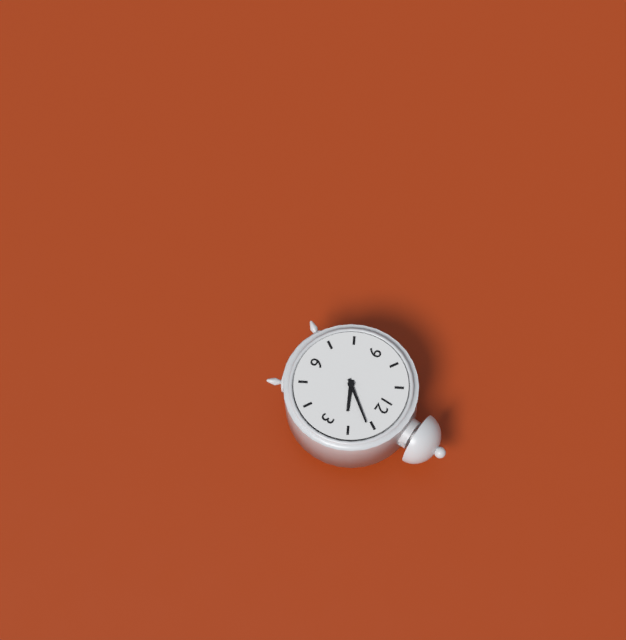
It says 2:06
